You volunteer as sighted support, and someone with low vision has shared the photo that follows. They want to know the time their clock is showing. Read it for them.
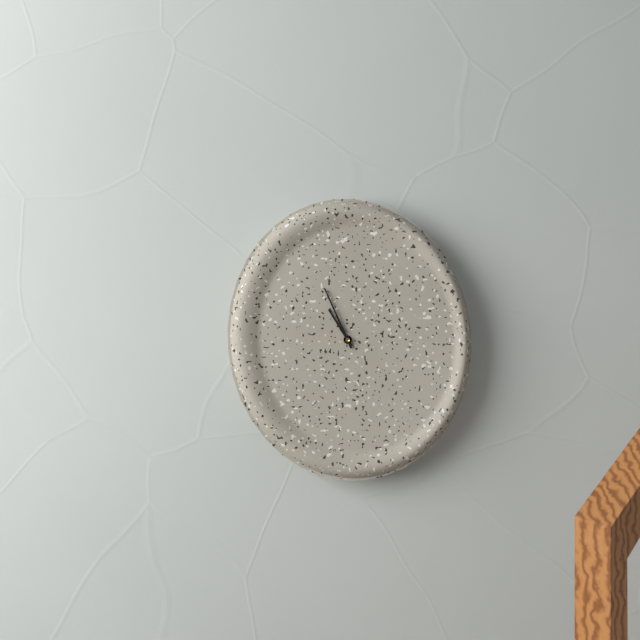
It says 10:56
